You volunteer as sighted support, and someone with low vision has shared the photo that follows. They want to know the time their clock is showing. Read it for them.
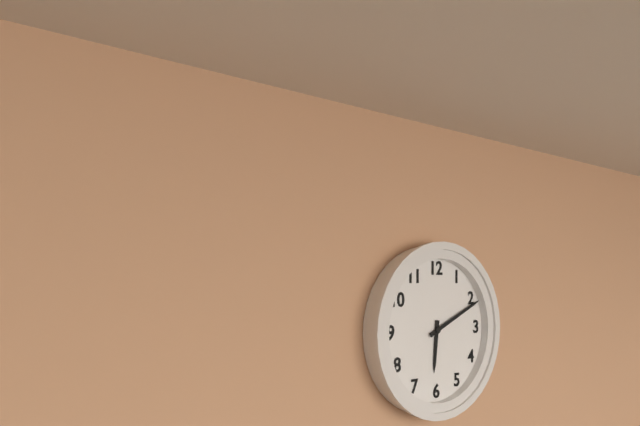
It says 6:11
